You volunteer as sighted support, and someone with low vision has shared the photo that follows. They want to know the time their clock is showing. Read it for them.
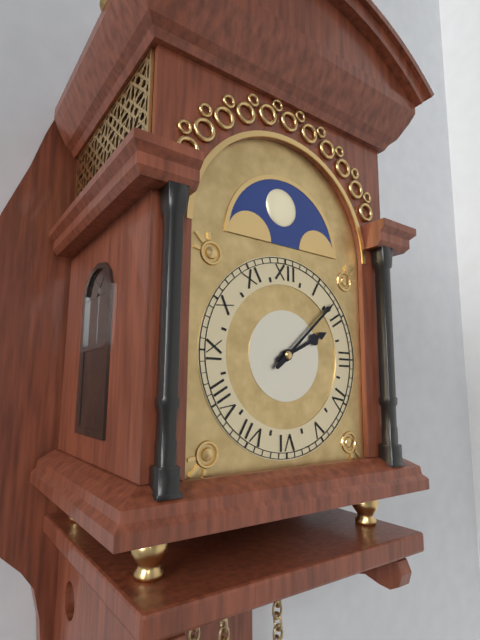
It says 2:08
